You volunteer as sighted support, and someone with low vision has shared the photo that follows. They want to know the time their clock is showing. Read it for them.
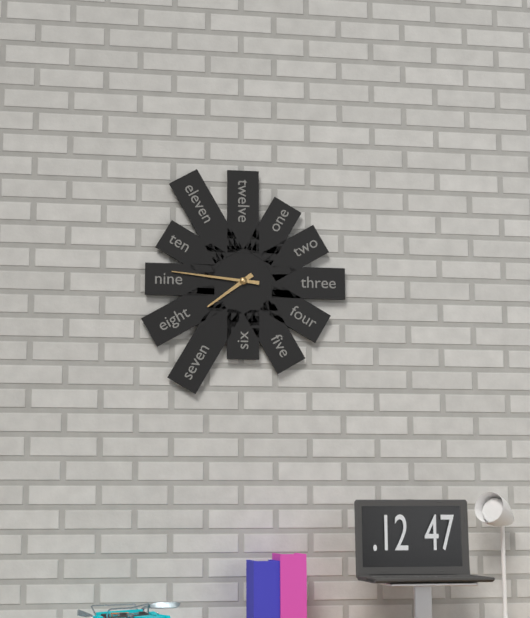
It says 7:46
